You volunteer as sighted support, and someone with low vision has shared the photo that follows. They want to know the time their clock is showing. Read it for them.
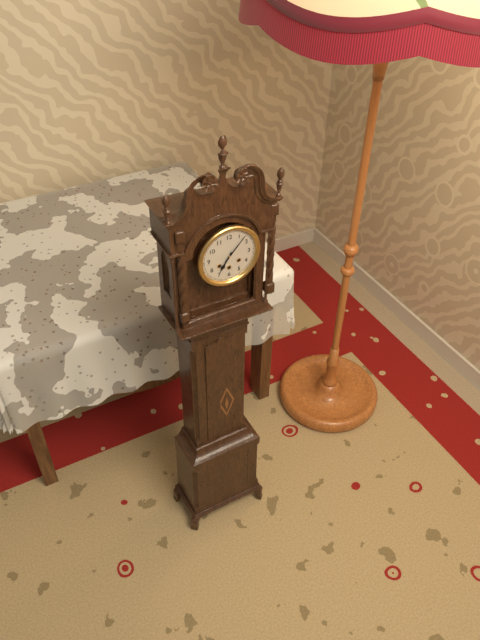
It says 7:07
